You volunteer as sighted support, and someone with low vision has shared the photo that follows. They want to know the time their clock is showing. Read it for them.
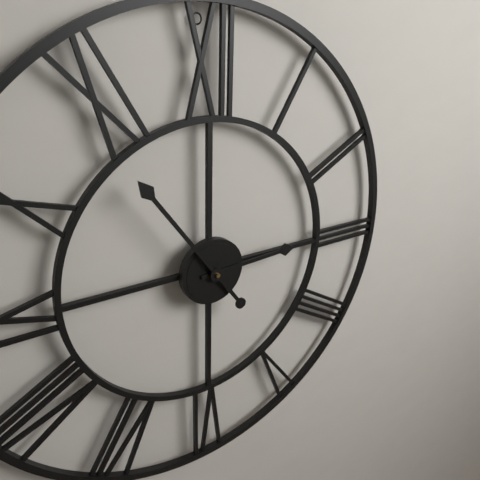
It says 2:54
